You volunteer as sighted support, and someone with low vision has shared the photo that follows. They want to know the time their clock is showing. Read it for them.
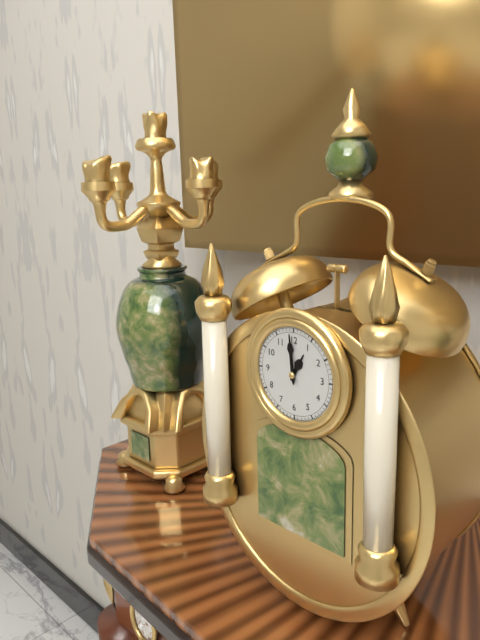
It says 12:59
